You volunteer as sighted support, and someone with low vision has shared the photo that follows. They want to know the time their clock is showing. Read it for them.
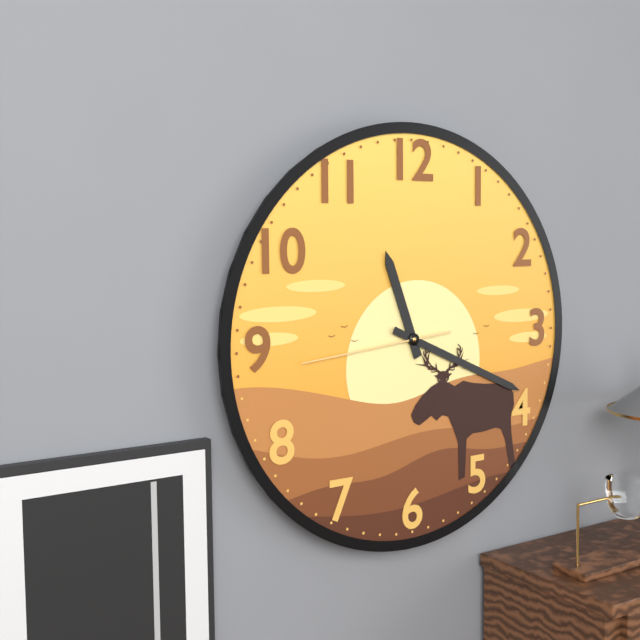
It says 11:19:44
